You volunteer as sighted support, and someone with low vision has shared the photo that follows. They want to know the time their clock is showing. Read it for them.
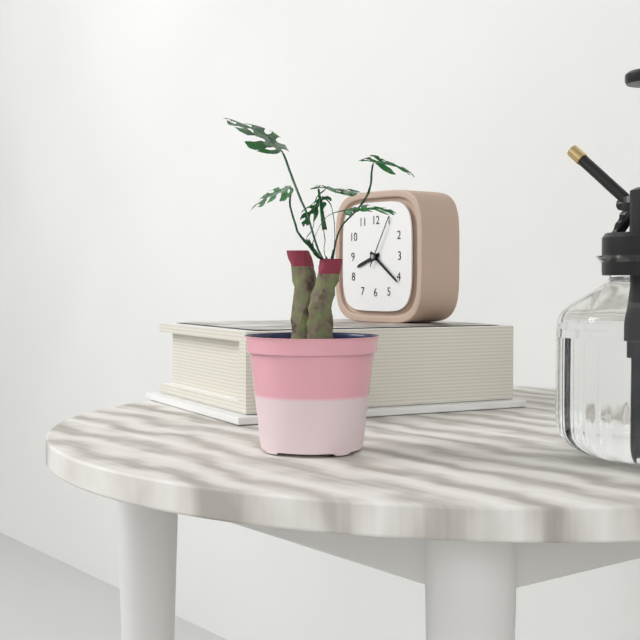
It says 8:21:05
